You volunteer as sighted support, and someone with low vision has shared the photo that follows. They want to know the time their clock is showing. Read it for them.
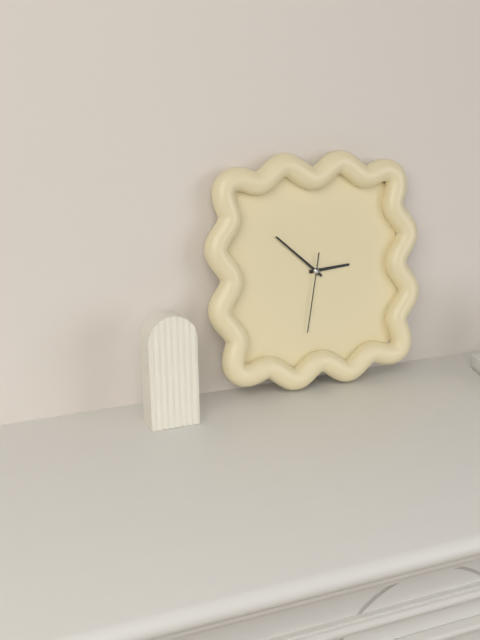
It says 2:52:32
